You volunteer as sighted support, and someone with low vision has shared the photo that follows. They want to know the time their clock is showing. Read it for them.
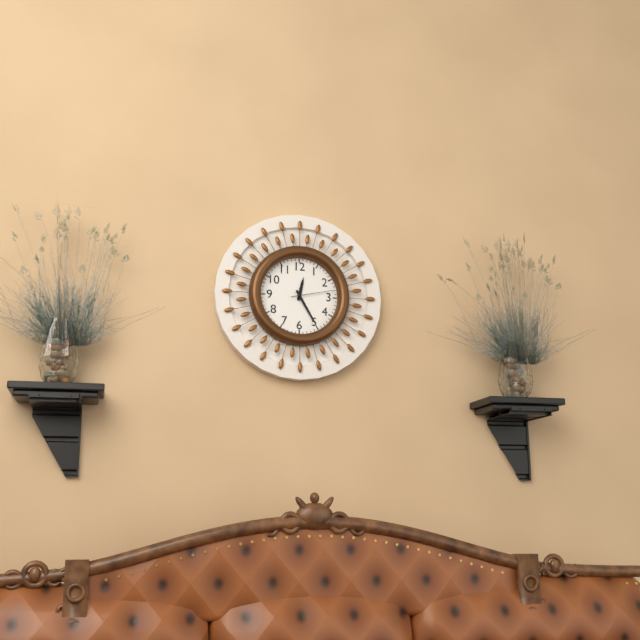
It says 12:25
